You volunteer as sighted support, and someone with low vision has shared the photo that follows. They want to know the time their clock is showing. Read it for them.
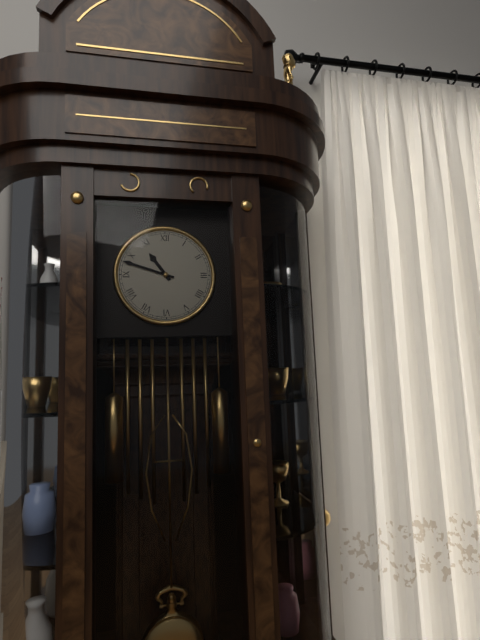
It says 10:48
